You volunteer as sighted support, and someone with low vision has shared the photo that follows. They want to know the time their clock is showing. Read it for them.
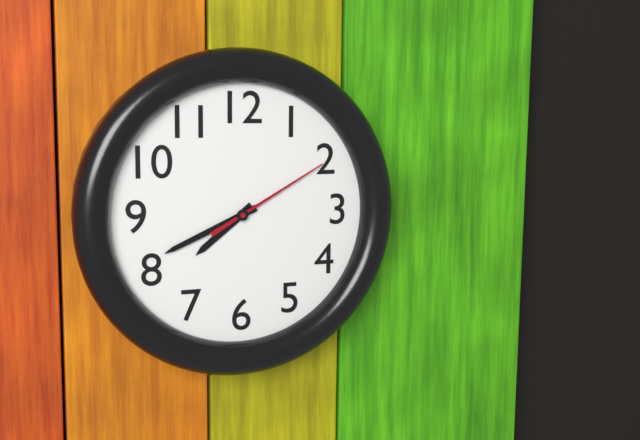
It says 7:41:10
